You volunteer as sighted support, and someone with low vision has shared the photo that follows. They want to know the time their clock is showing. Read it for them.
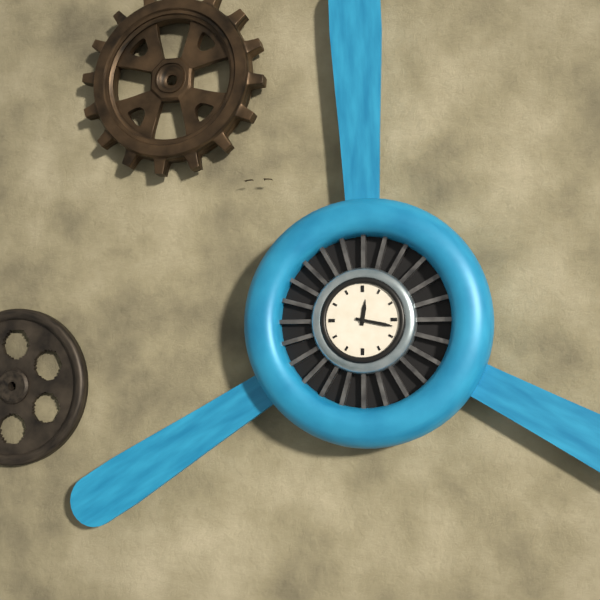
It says 12:17
